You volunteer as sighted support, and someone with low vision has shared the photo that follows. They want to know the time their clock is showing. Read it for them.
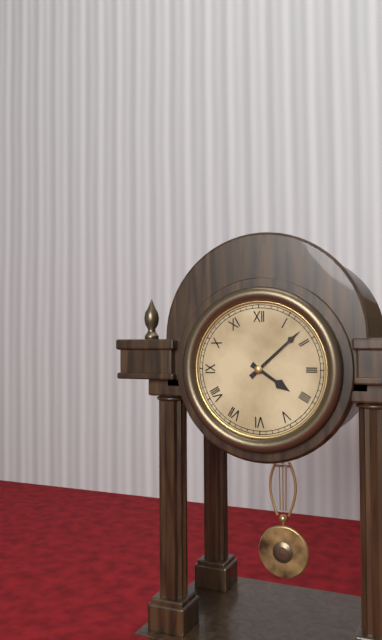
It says 4:08
